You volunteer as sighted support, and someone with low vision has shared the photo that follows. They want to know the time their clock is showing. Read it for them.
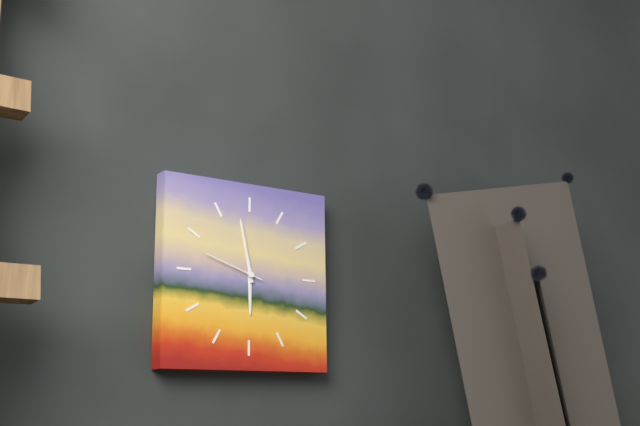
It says 5:58:48
